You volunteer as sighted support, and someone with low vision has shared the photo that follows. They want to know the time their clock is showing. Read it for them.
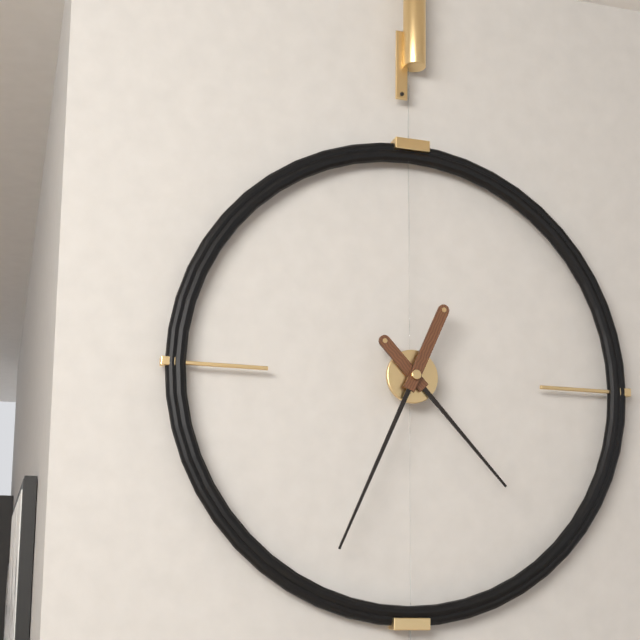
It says 4:34
